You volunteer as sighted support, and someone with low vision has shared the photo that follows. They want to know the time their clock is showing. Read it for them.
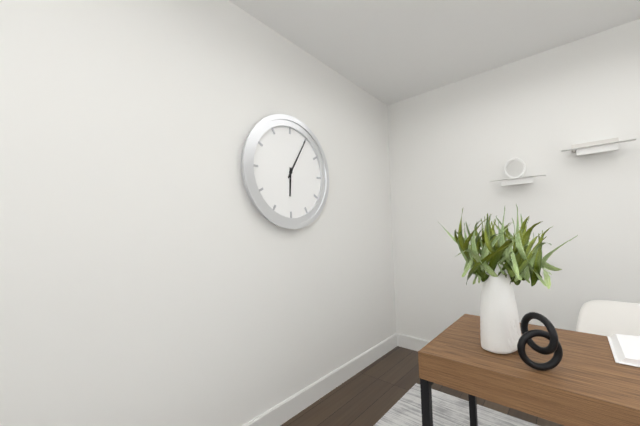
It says 6:05
